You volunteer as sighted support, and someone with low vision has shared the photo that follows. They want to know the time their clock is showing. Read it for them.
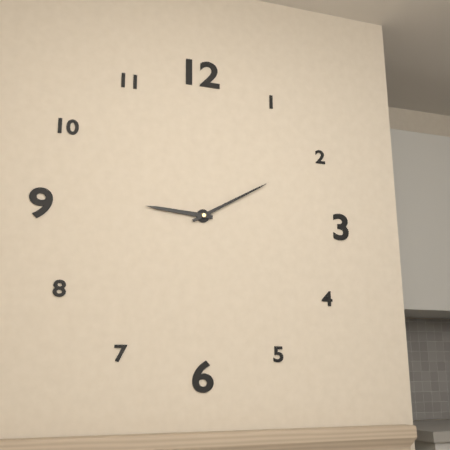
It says 9:10
